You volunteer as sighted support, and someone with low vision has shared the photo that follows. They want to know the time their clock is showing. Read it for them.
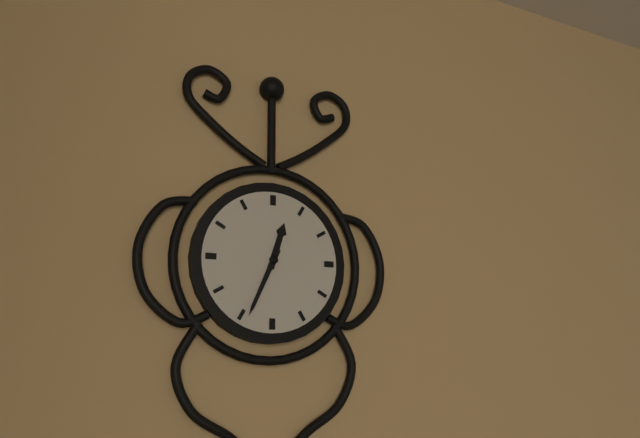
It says 12:34
